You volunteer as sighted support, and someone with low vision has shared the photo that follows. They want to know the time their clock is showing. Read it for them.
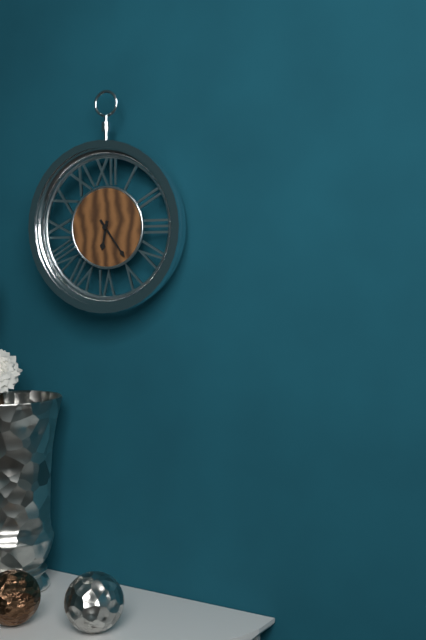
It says 6:24
